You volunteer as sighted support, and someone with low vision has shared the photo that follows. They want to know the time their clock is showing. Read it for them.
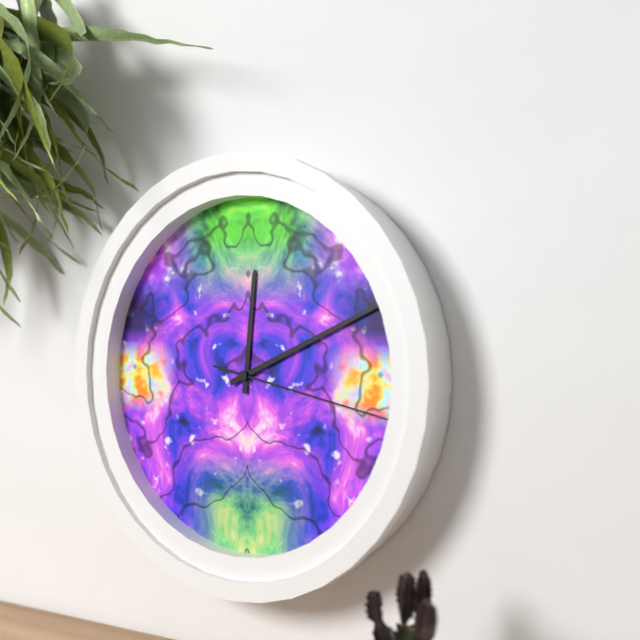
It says 12:11:17
